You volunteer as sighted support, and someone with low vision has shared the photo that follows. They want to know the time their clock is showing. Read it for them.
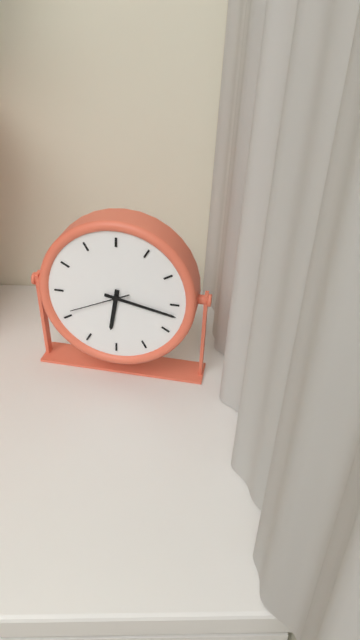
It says 6:17:41
